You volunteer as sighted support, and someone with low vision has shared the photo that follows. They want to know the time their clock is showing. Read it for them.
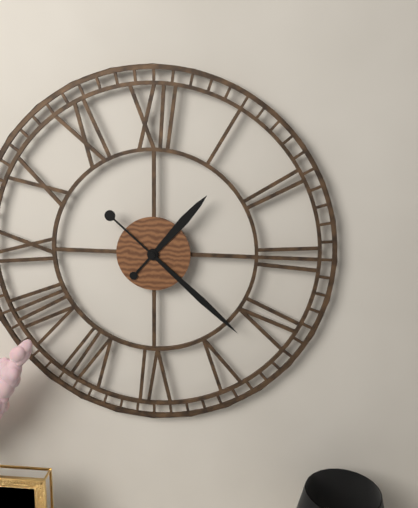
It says 1:22
